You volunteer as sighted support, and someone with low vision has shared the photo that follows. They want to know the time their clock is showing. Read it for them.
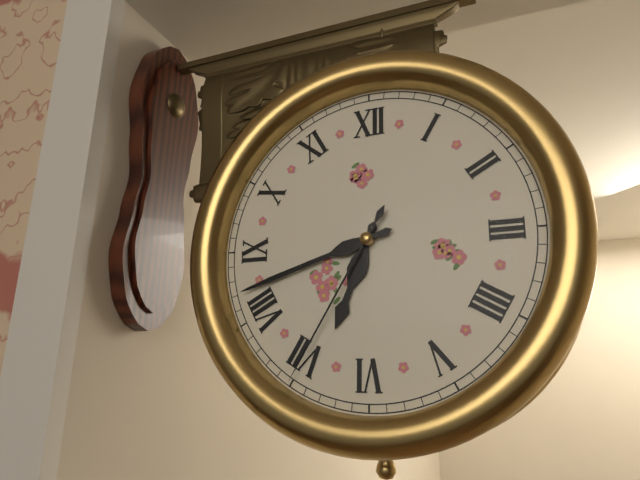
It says 6:42:35
